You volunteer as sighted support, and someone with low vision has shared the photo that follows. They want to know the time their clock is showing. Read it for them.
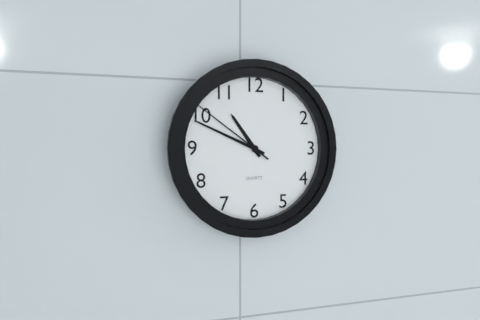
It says 10:49:51
